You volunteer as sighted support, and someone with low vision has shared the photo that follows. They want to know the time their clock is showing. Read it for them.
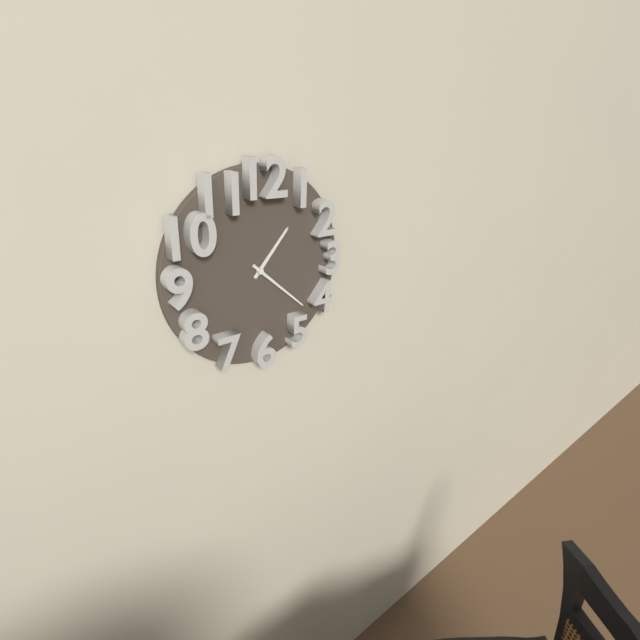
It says 1:22
